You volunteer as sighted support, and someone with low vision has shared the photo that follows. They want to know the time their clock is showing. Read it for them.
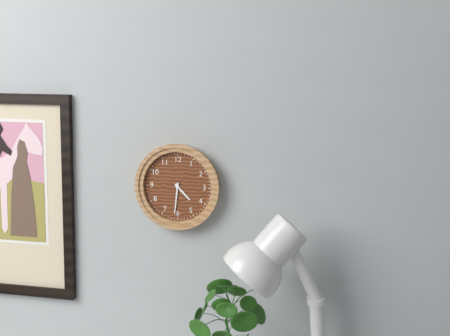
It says 4:31
